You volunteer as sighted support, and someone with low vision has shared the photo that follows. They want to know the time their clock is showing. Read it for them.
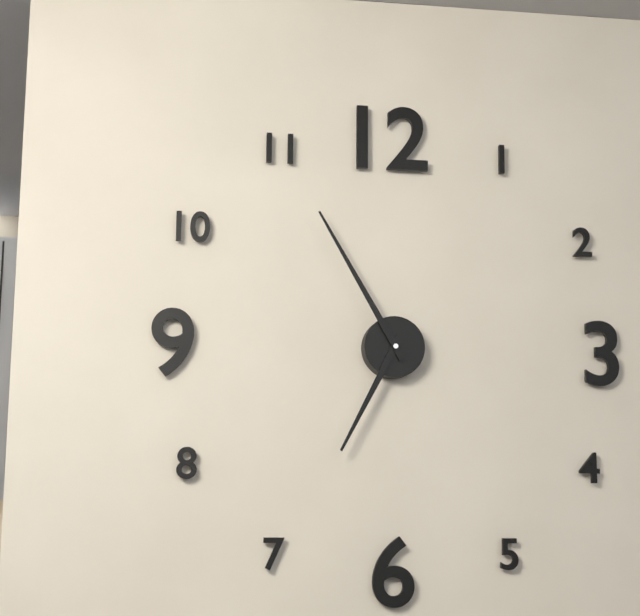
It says 6:55
